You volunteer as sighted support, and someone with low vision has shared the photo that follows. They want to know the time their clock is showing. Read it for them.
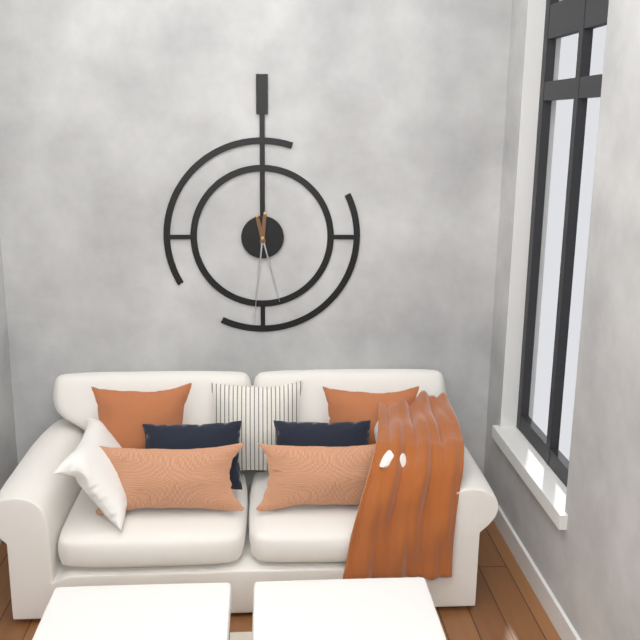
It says 5:31
